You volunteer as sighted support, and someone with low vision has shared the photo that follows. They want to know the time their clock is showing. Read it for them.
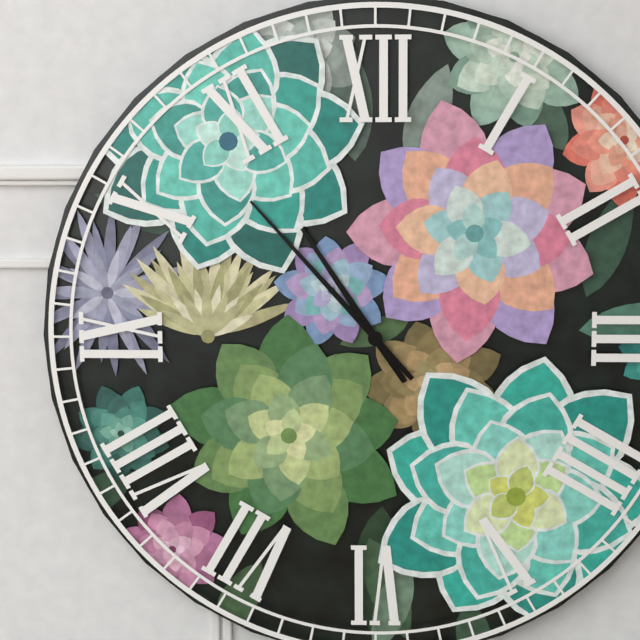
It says 10:53
